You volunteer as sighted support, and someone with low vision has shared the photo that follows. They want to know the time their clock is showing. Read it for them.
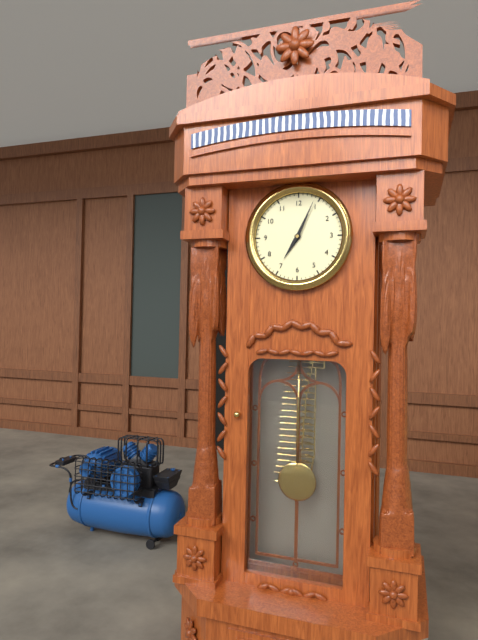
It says 7:04
